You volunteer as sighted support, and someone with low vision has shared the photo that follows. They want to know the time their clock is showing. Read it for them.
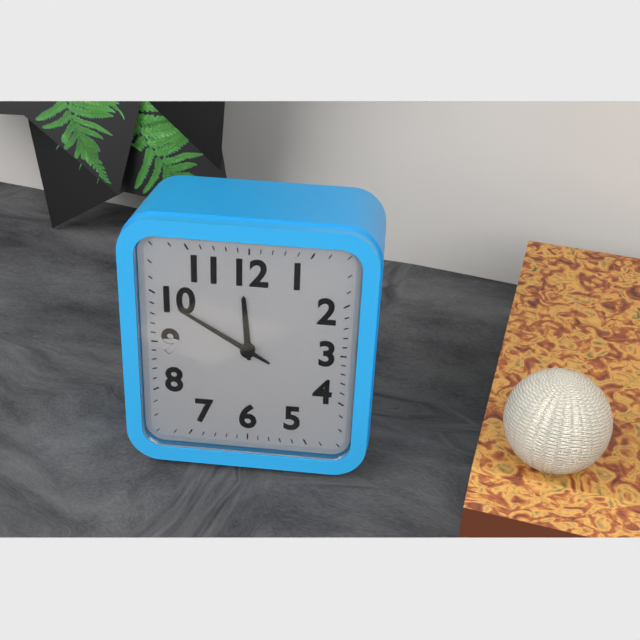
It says 11:50
